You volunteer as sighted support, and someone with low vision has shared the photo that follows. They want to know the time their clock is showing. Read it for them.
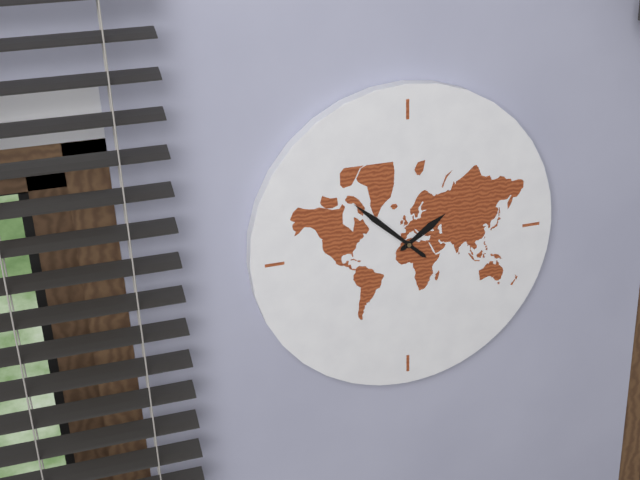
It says 1:52
